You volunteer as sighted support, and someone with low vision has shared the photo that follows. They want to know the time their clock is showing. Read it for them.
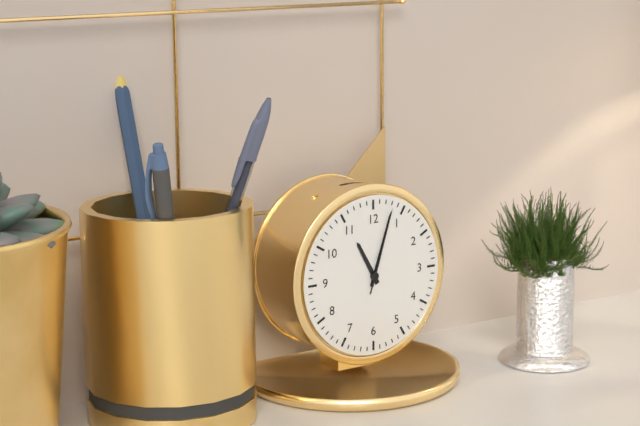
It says 11:03:03
